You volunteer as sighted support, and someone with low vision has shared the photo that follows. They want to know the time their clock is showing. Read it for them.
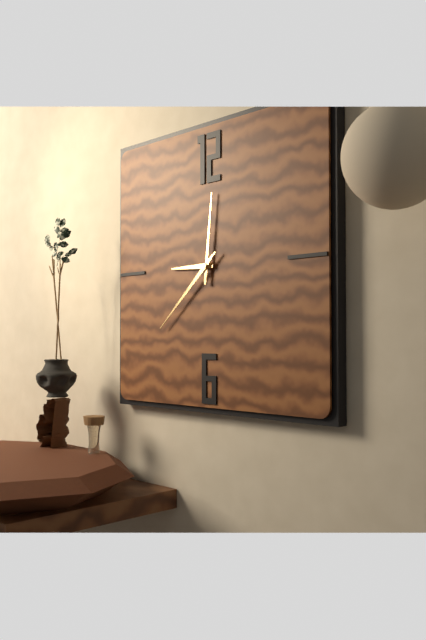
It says 9:01:38
